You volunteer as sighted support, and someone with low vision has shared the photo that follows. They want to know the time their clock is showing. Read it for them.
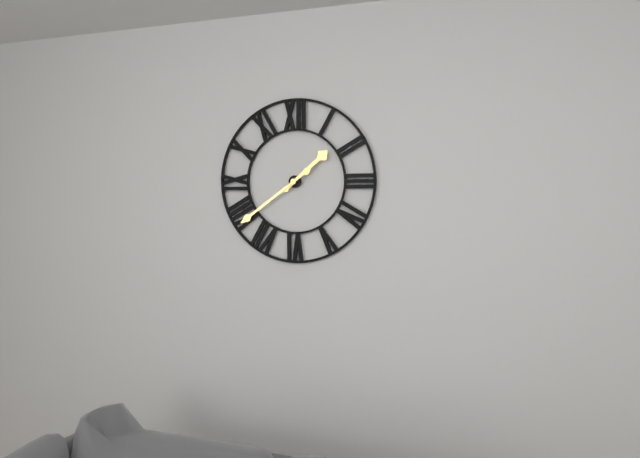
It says 1:39
